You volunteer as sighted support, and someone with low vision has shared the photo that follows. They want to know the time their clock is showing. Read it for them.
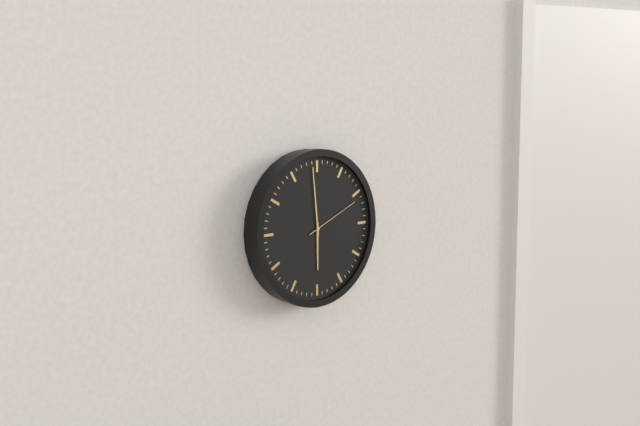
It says 5:59:11
